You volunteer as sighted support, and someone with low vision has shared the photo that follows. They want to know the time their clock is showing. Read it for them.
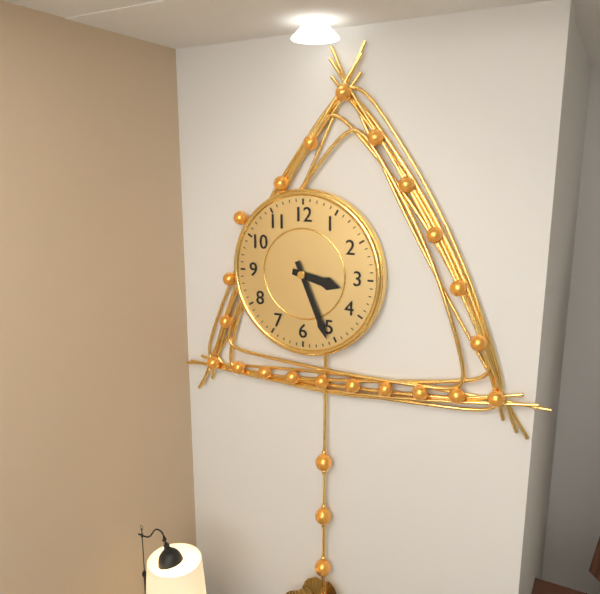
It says 3:26
